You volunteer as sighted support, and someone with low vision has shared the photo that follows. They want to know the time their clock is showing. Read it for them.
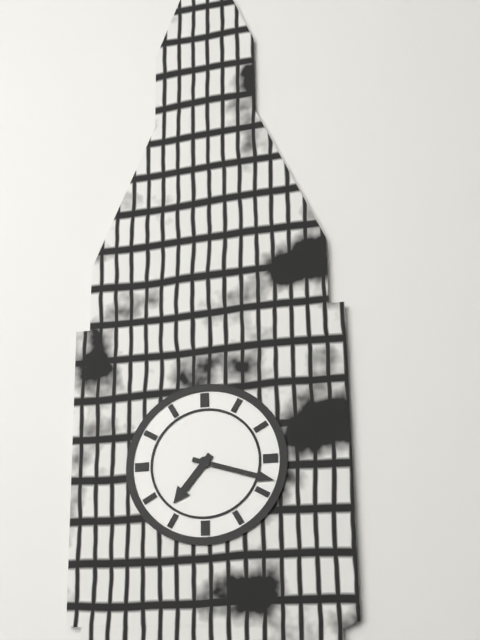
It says 7:18
